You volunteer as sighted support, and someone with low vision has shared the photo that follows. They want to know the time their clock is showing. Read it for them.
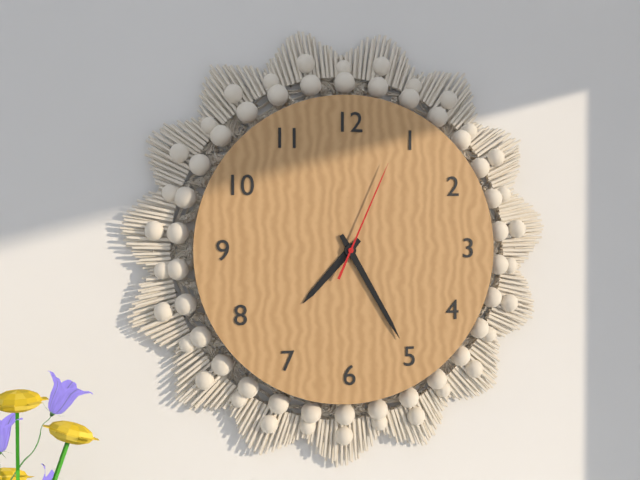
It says 7:25:04
